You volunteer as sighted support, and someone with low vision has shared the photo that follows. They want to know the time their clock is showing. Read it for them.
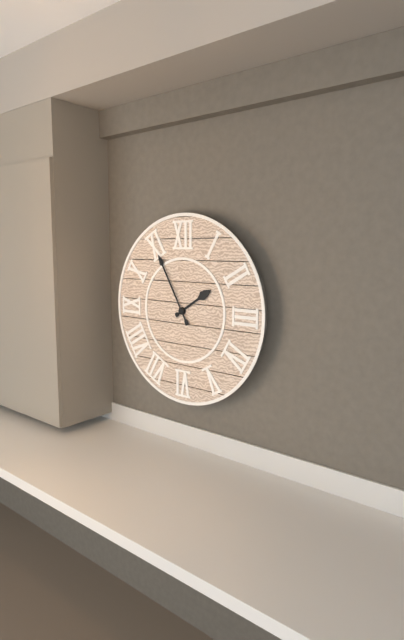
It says 1:55
